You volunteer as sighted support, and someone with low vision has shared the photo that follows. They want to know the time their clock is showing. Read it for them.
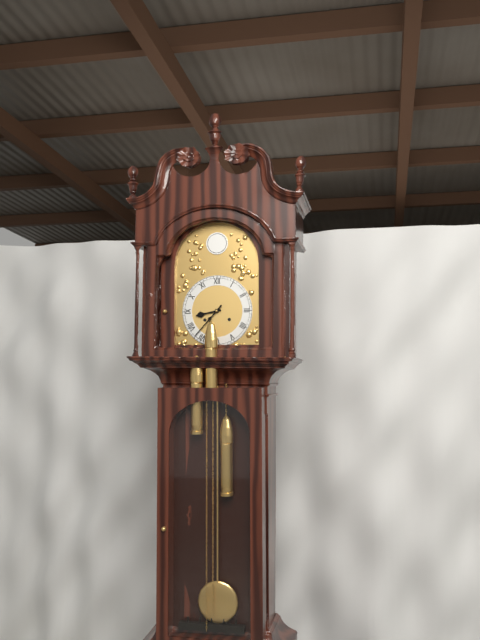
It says 8:37
